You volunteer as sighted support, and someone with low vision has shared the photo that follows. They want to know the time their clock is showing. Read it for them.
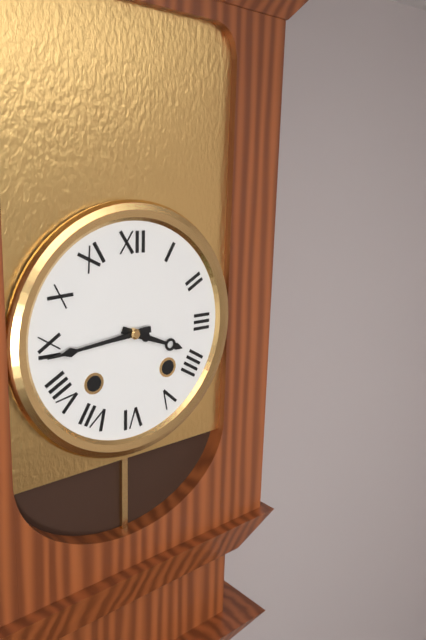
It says 3:44
